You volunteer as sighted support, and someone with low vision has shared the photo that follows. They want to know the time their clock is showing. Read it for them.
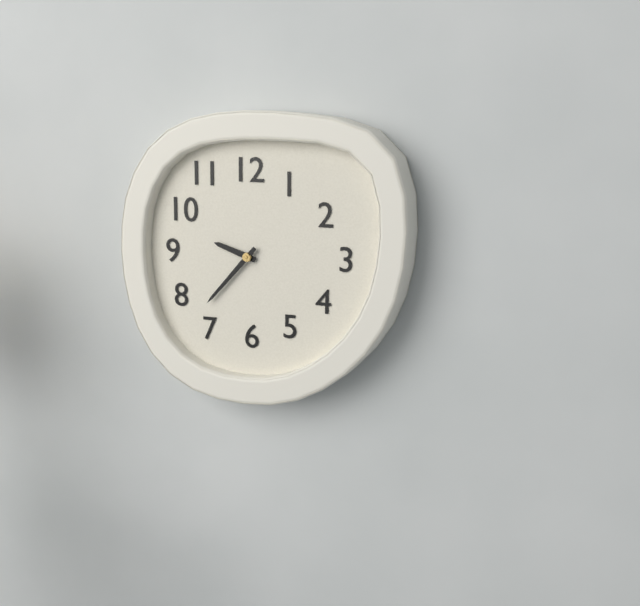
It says 9:37
